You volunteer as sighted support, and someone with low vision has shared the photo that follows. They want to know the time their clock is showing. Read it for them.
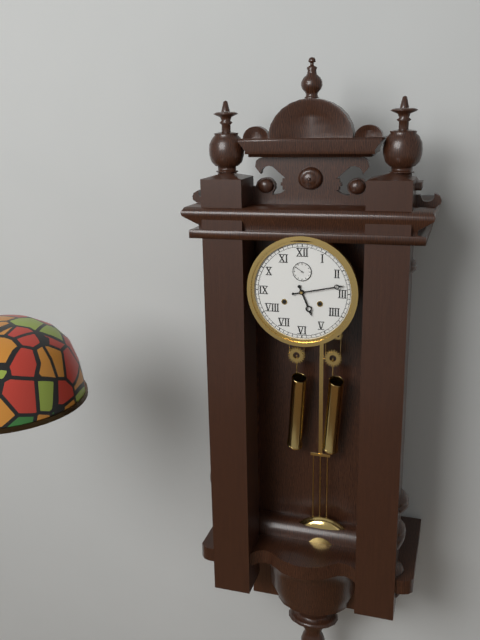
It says 5:13
